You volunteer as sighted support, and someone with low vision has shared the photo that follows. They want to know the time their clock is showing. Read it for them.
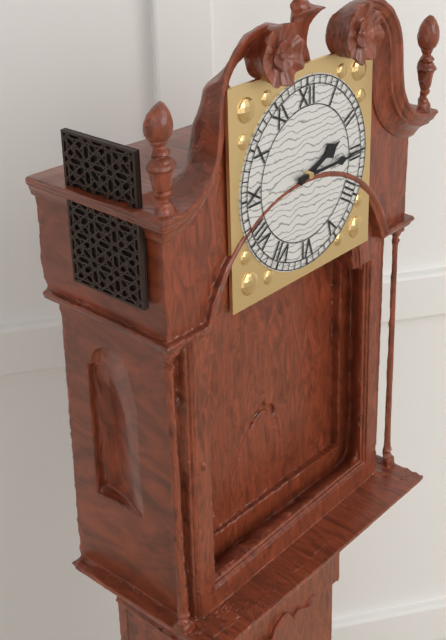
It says 2:15
